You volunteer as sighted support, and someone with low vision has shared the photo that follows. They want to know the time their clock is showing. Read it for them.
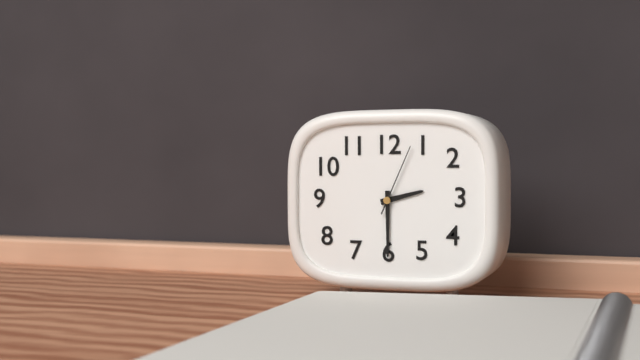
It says 2:30:04
